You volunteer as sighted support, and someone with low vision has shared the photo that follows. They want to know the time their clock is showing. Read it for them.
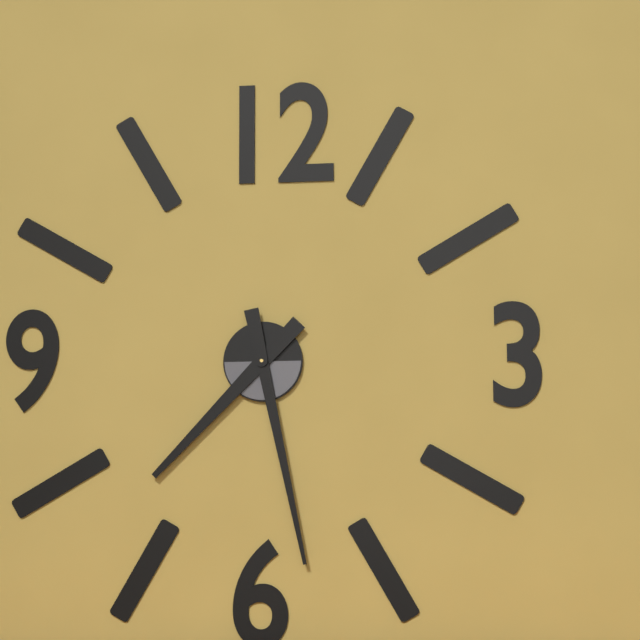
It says 7:28
